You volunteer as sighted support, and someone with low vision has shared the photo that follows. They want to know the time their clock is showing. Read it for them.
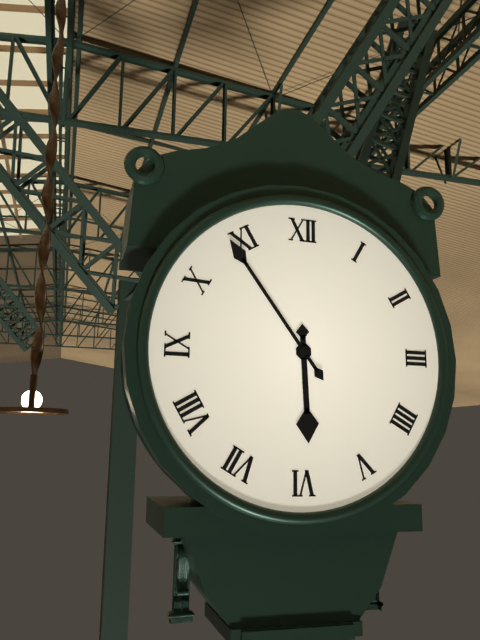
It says 5:54
